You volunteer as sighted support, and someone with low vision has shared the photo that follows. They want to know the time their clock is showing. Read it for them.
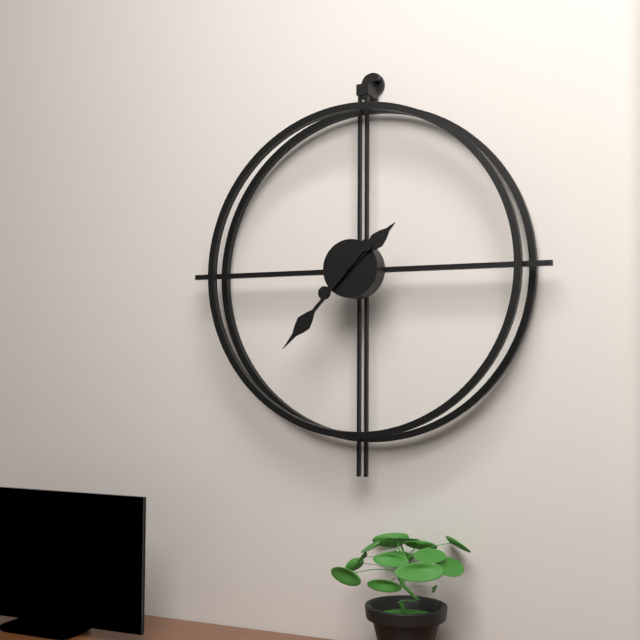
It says 1:37
